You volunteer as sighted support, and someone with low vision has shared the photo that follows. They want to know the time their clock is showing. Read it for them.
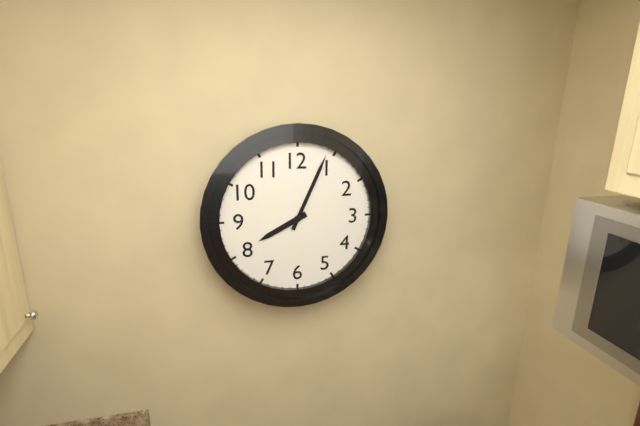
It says 8:04
